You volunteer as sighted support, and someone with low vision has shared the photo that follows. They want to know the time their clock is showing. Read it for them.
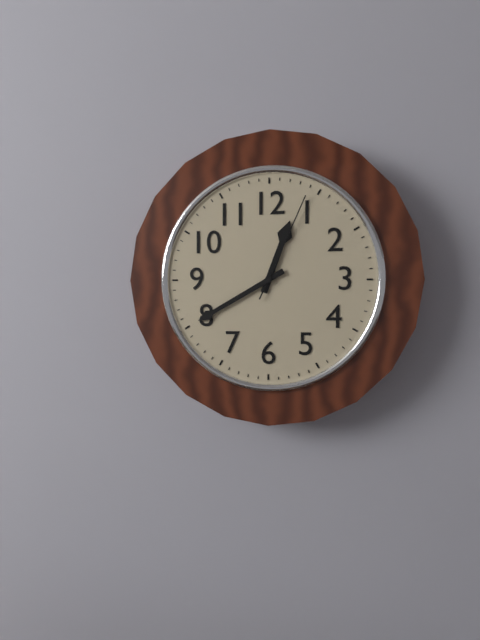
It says 12:40:04
